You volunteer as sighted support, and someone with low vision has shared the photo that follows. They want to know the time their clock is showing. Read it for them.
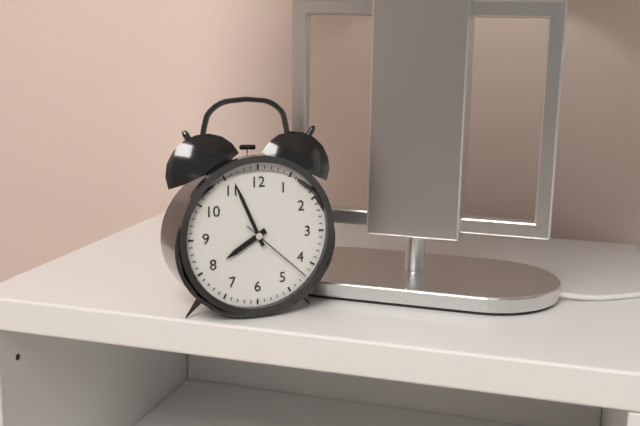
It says 7:56:22
